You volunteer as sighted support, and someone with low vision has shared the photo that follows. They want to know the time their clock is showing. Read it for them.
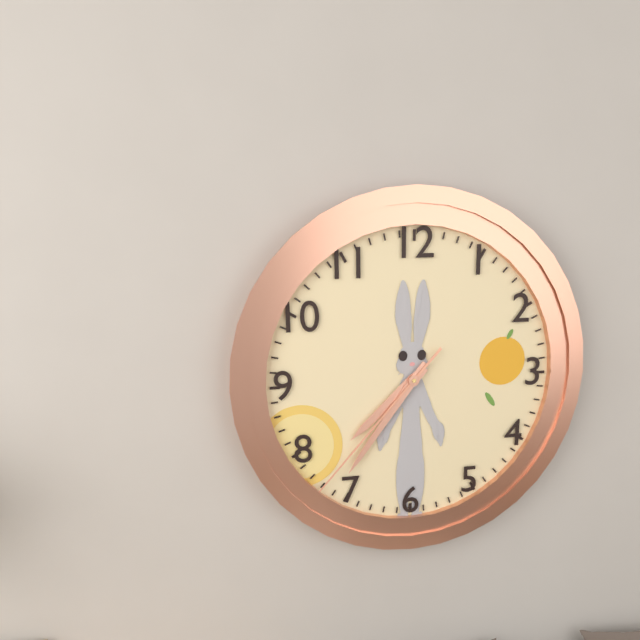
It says 7:36:37
